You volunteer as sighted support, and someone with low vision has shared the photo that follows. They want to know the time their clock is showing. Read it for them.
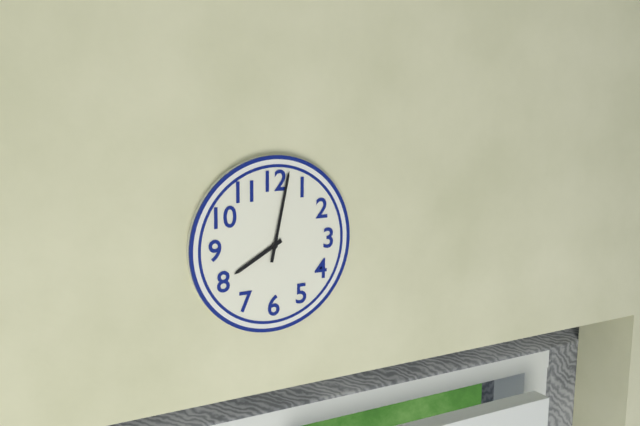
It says 8:02
